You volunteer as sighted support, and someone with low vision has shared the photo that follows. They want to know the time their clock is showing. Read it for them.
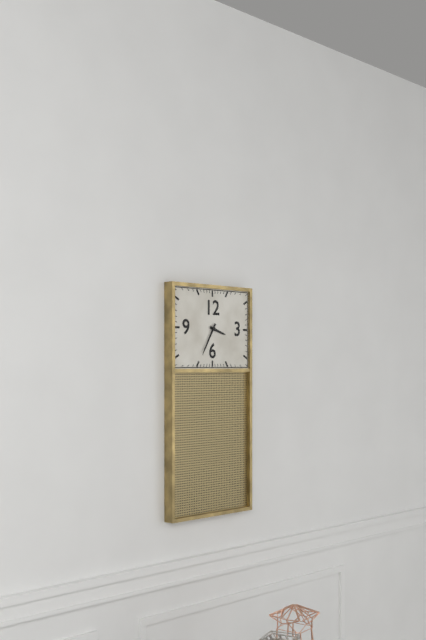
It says 3:35
